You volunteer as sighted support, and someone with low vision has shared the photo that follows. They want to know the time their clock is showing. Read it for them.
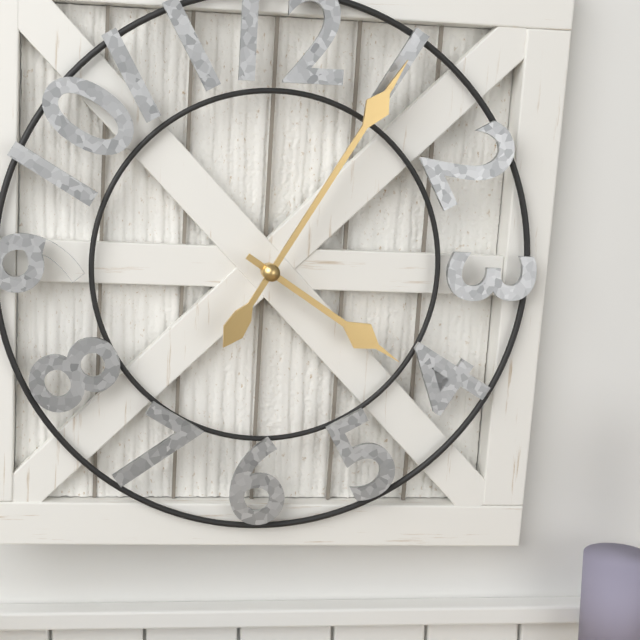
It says 4:05
